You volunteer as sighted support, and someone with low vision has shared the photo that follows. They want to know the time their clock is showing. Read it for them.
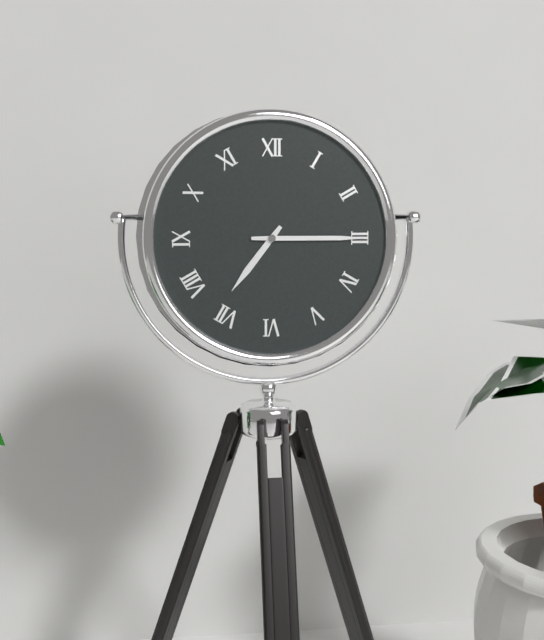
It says 7:15
